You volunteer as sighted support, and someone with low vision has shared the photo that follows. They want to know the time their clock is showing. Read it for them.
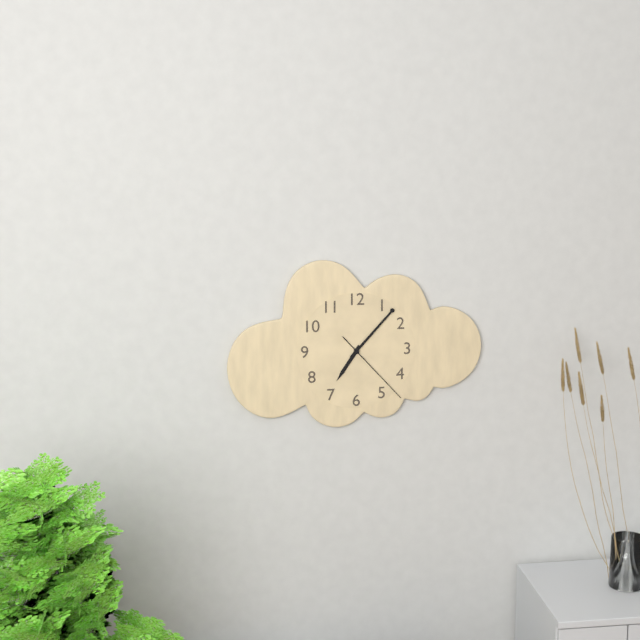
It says 7:07:23
